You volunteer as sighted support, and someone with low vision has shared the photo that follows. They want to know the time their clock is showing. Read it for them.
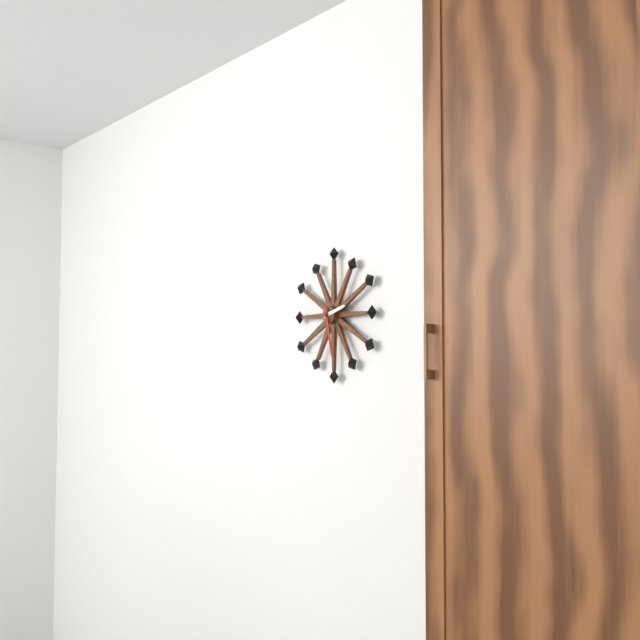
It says 2:28
